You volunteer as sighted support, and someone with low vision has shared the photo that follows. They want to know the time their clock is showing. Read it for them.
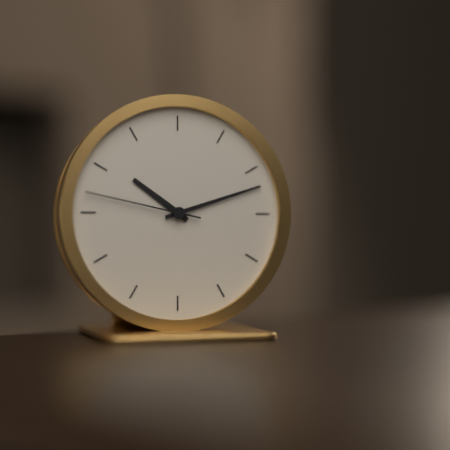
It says 10:12:47
